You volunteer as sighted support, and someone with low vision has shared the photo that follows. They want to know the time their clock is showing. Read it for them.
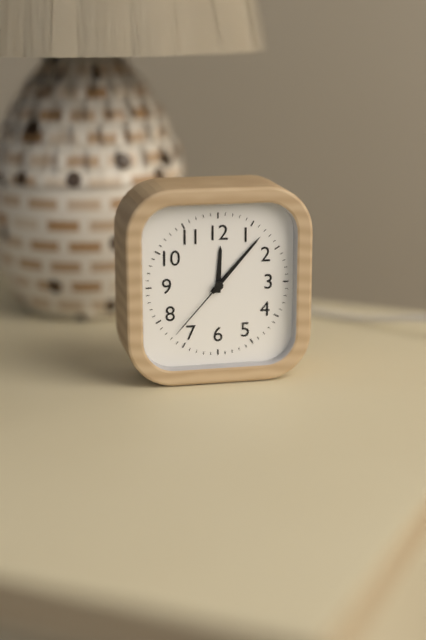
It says 12:07:37
